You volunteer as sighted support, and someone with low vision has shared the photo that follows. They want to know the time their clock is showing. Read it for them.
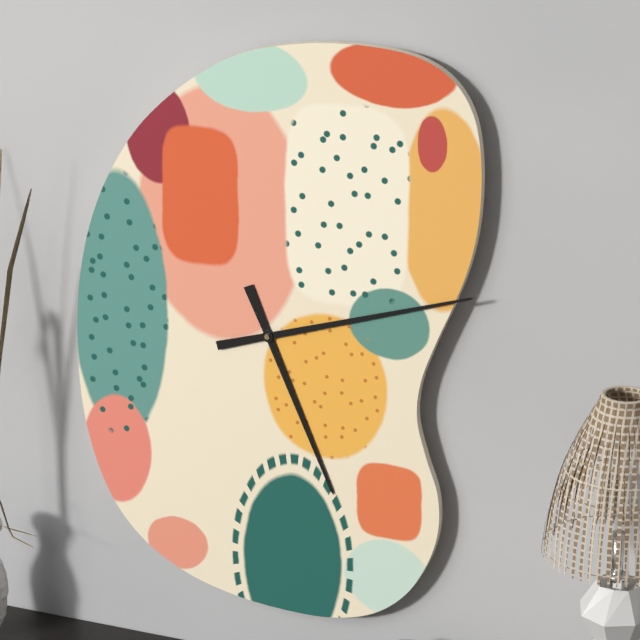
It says 5:12
